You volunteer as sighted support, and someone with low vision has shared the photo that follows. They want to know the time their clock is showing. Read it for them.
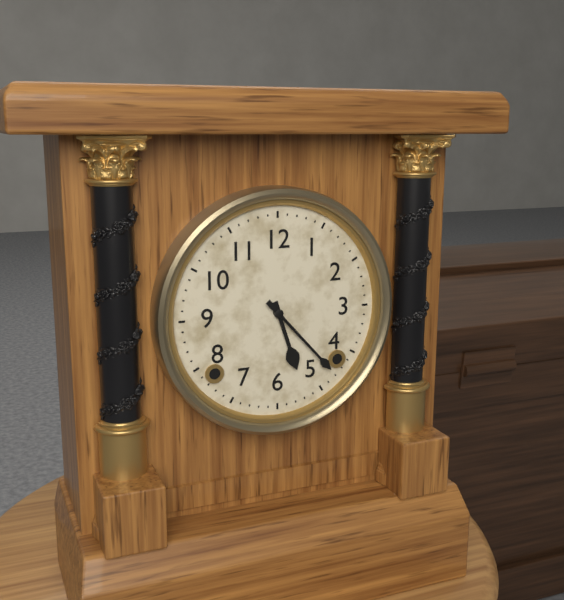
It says 5:23
